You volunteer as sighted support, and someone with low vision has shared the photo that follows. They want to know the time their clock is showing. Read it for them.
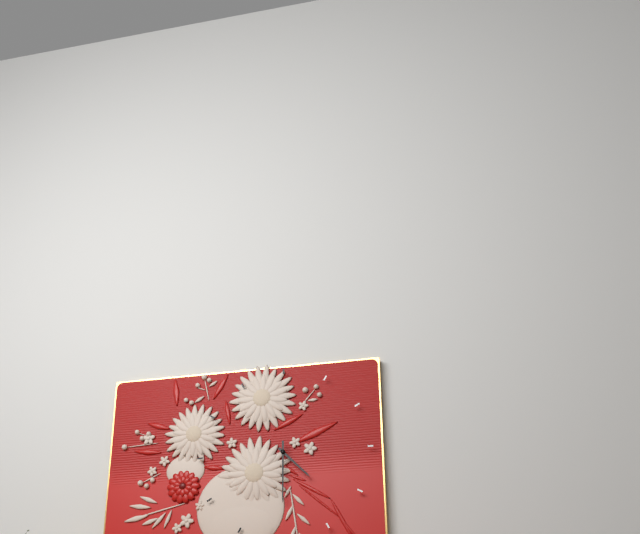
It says 4:30
